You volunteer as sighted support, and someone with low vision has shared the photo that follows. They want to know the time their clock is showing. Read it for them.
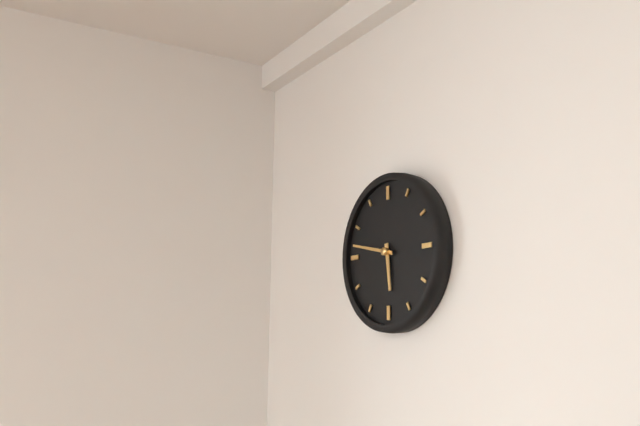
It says 5:47
